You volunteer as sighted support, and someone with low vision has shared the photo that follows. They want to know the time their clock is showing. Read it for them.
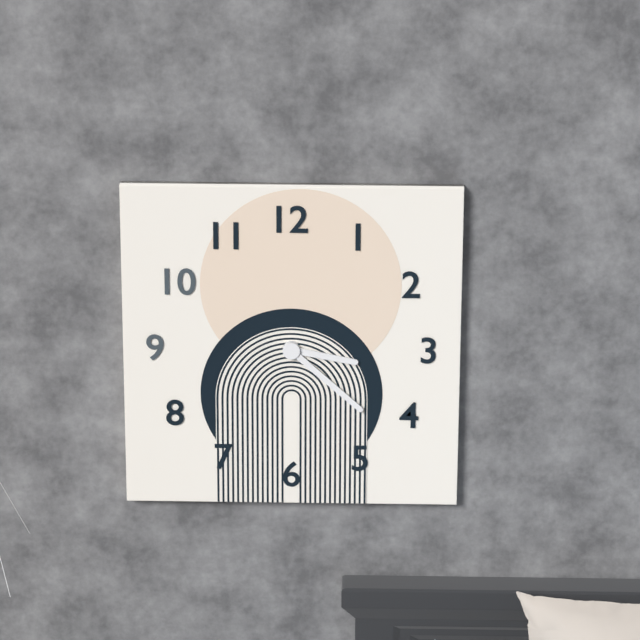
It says 3:22
